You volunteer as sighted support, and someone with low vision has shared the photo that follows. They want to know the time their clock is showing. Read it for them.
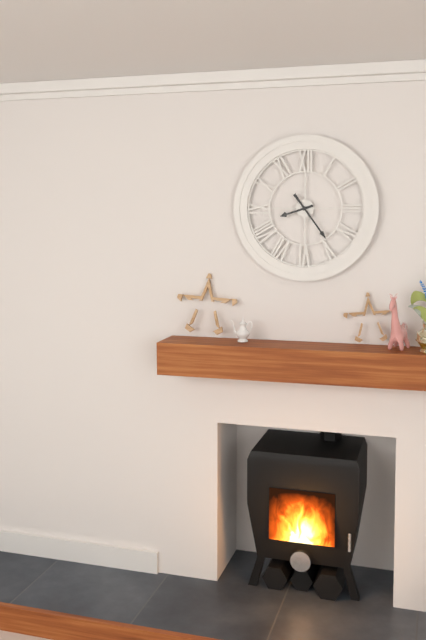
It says 8:24
